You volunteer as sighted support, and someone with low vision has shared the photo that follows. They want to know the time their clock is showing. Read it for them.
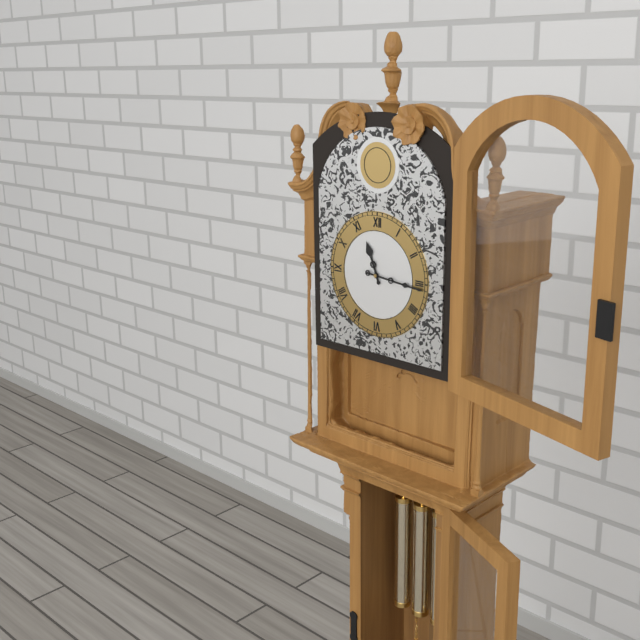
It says 11:16
